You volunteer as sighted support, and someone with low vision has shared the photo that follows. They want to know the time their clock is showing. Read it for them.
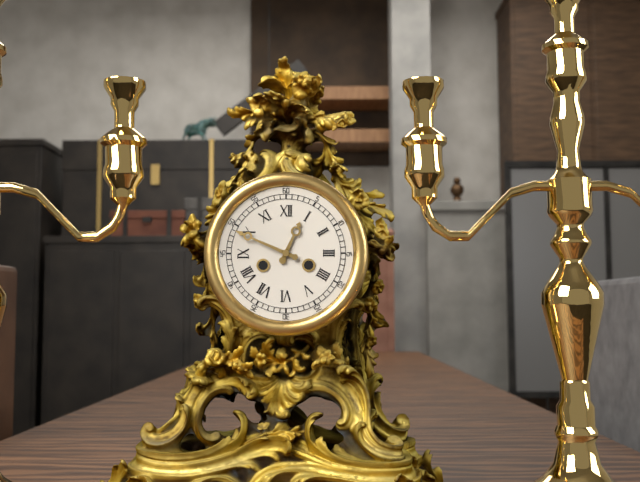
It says 12:49
